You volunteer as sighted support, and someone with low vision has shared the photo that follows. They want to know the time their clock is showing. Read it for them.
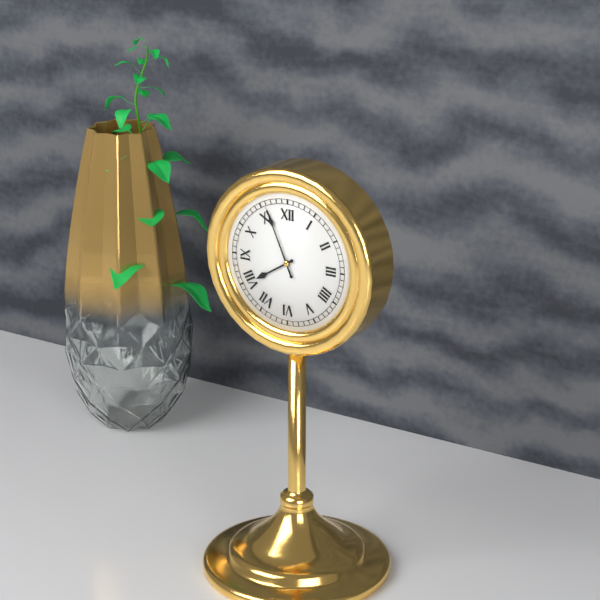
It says 7:56
